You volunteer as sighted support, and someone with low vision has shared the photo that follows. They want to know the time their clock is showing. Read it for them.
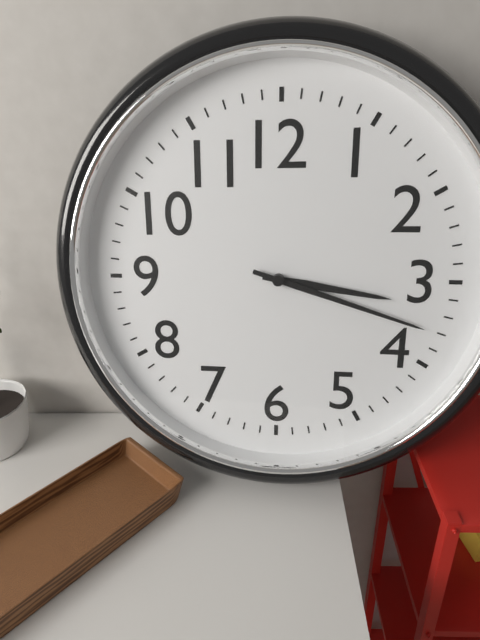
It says 3:18
